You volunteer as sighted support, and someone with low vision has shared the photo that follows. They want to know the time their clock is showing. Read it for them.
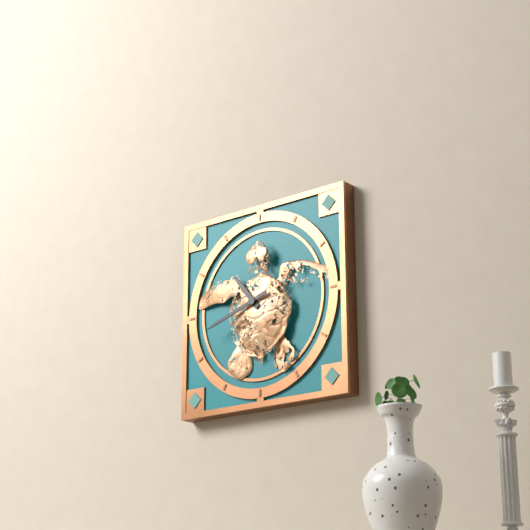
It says 10:42
